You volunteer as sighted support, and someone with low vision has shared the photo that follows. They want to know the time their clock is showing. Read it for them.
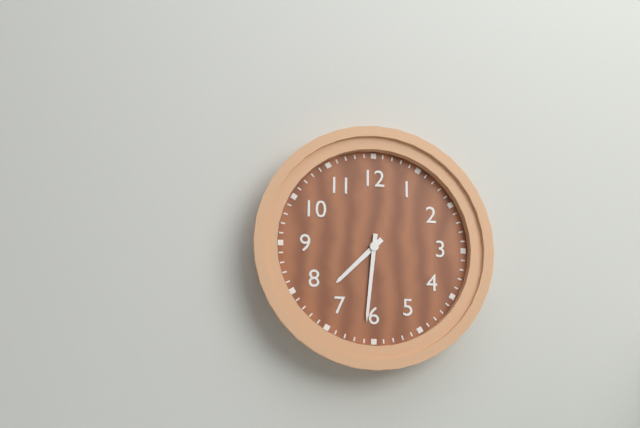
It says 7:31
